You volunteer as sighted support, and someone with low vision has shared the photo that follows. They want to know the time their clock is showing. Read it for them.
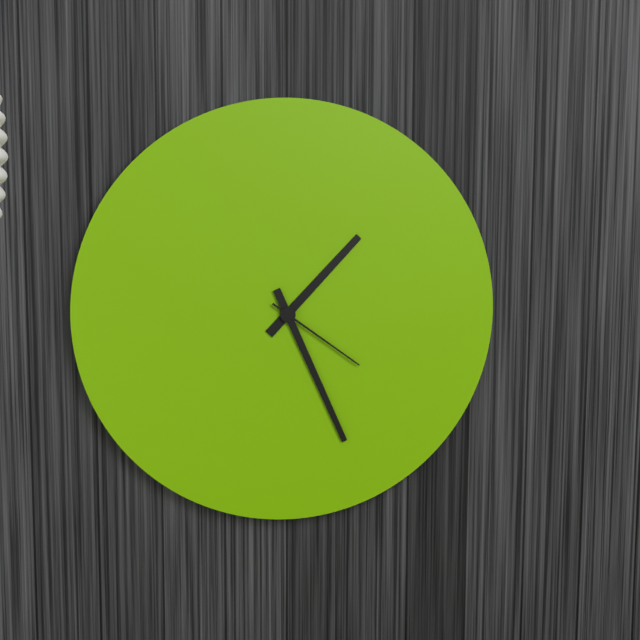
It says 1:26:21
